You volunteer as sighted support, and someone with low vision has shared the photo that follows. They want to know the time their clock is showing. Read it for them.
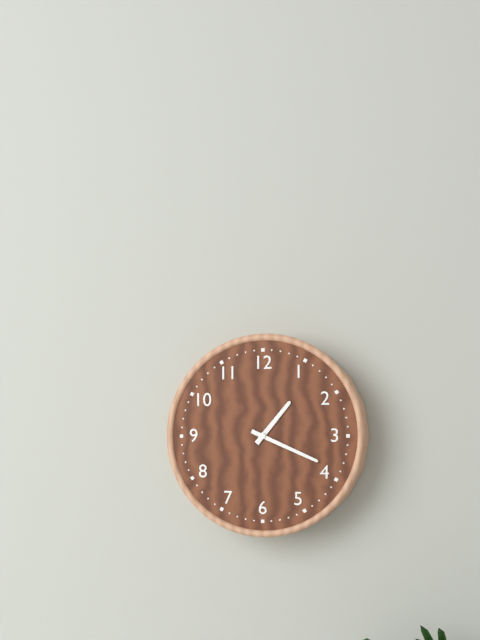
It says 1:19
